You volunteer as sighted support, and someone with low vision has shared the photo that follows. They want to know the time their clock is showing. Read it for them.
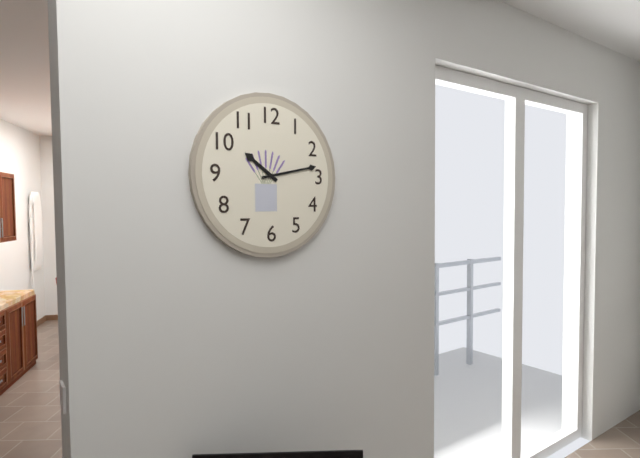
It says 10:13
